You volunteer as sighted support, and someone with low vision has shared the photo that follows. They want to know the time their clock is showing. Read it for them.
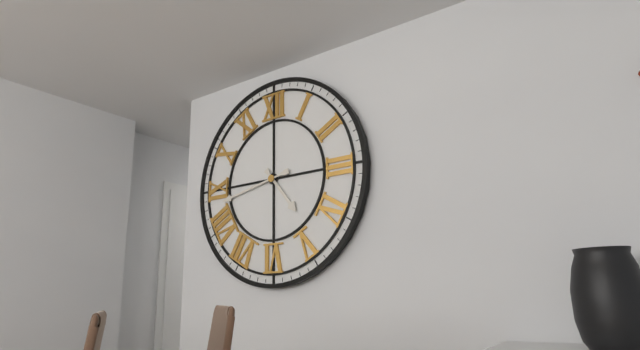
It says 4:43
